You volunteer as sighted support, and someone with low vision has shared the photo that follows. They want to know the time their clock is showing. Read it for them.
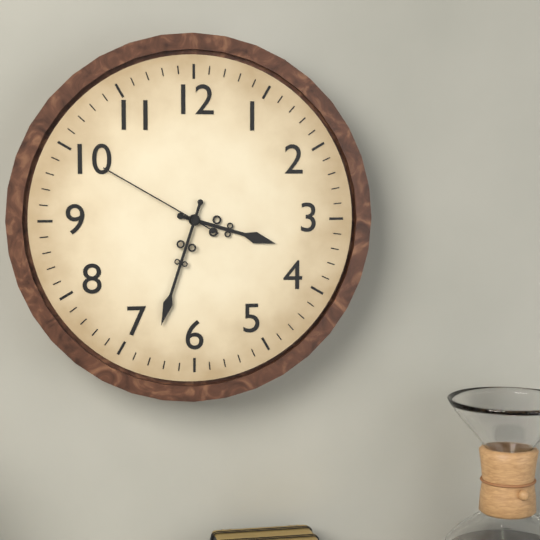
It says 3:33:50
